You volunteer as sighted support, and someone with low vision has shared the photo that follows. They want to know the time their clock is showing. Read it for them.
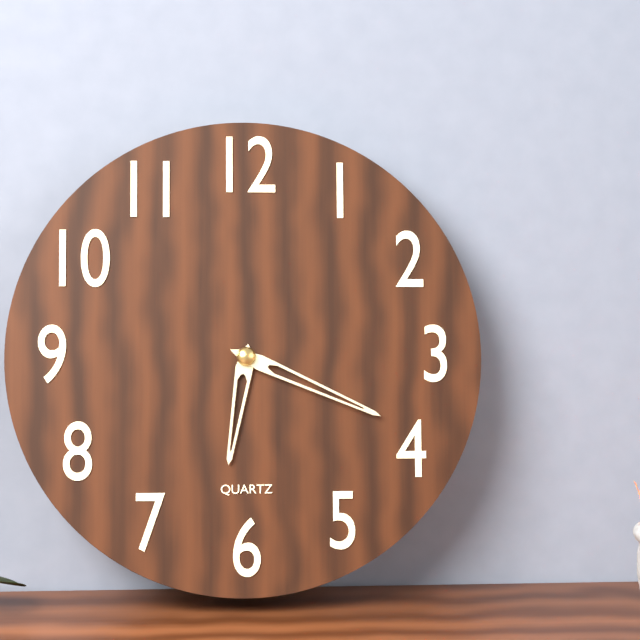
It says 6:19
